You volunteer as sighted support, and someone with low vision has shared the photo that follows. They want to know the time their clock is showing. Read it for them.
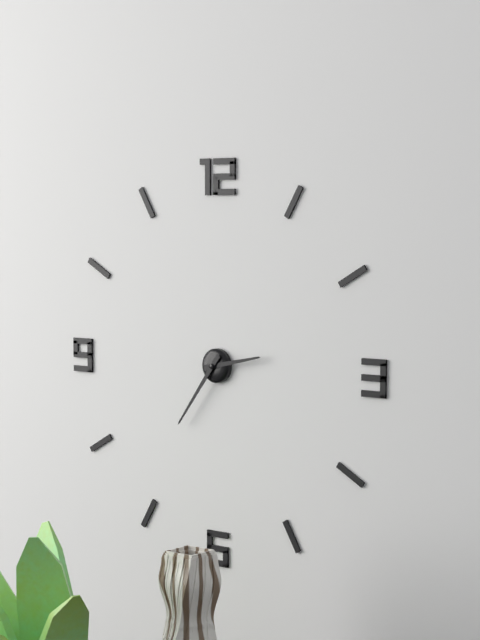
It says 2:36
